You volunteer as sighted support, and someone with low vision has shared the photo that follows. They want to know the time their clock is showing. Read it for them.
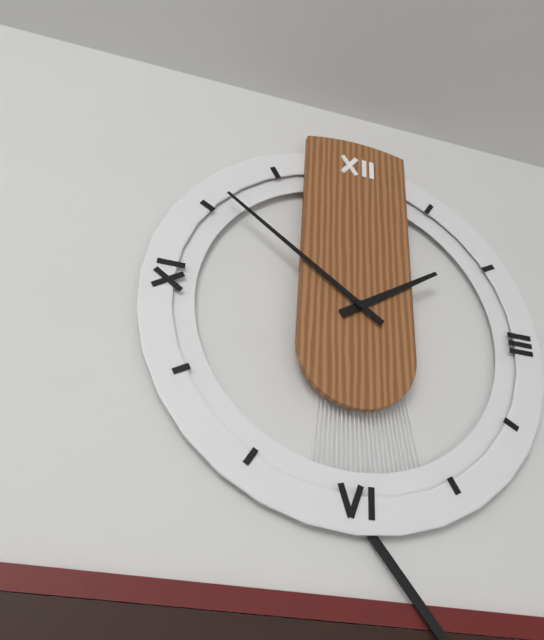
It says 1:51
